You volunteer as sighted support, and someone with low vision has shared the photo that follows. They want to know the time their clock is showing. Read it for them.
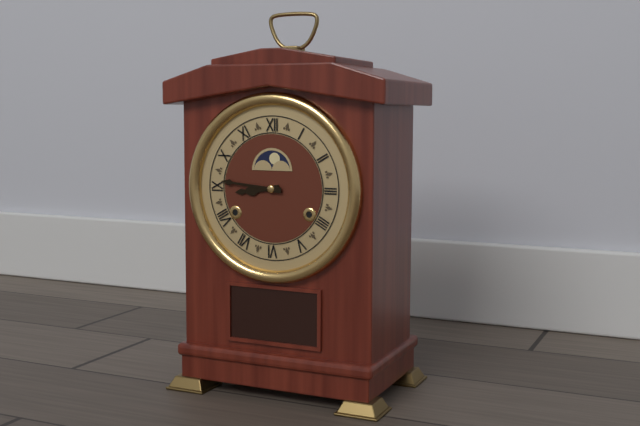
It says 8:46
